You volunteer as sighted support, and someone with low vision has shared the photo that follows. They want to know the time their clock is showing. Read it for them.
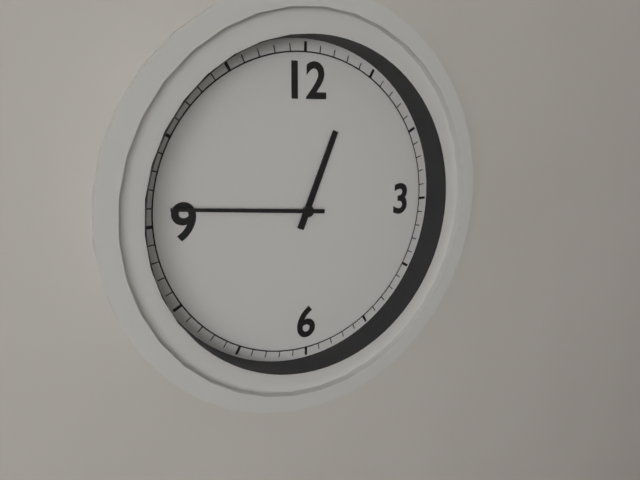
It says 12:46
